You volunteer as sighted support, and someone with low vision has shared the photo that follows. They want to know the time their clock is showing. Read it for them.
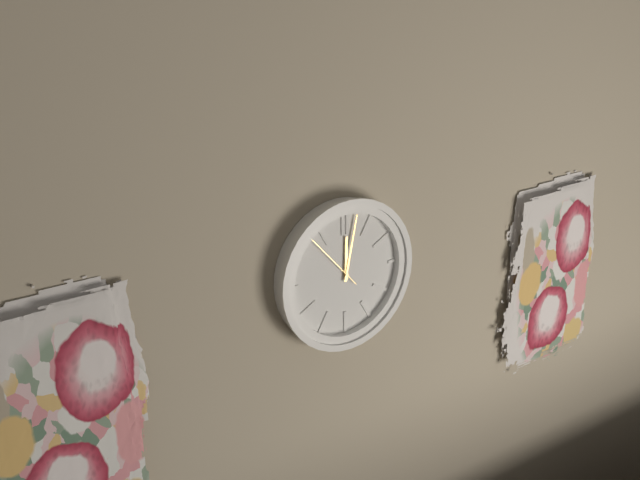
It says 12:02:53
